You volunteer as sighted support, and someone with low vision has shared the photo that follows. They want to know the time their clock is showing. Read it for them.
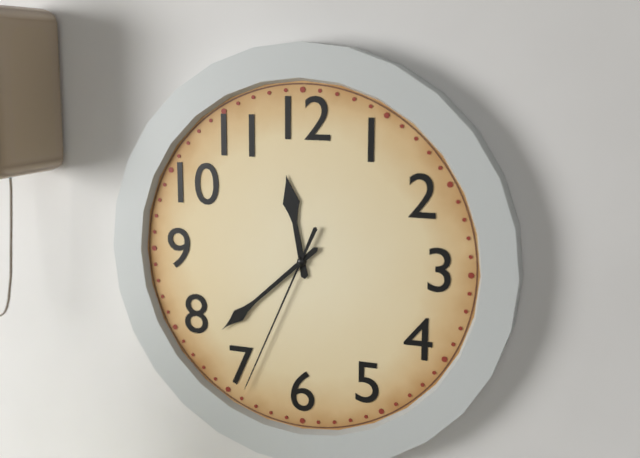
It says 11:38:34
